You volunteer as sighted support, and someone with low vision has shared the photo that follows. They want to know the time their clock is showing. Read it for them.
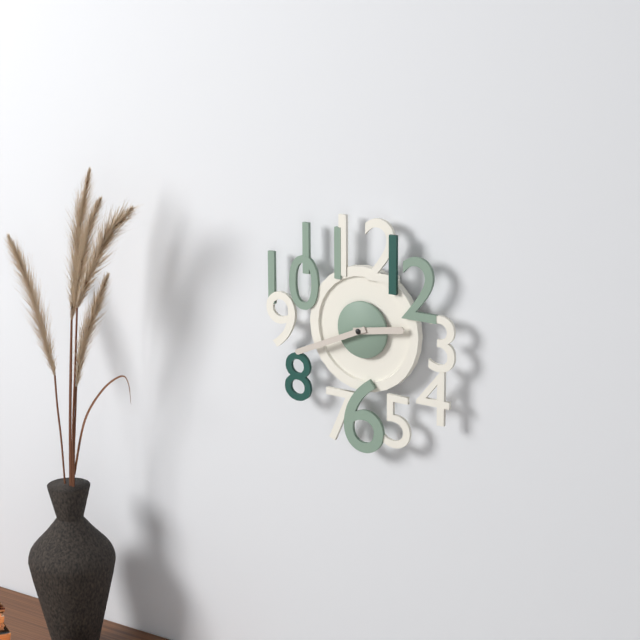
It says 2:41
